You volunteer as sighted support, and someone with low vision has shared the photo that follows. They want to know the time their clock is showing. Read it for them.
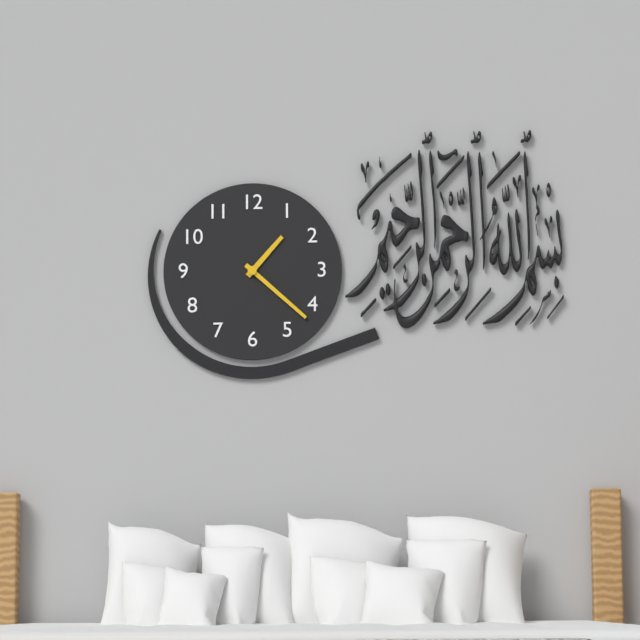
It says 1:22
